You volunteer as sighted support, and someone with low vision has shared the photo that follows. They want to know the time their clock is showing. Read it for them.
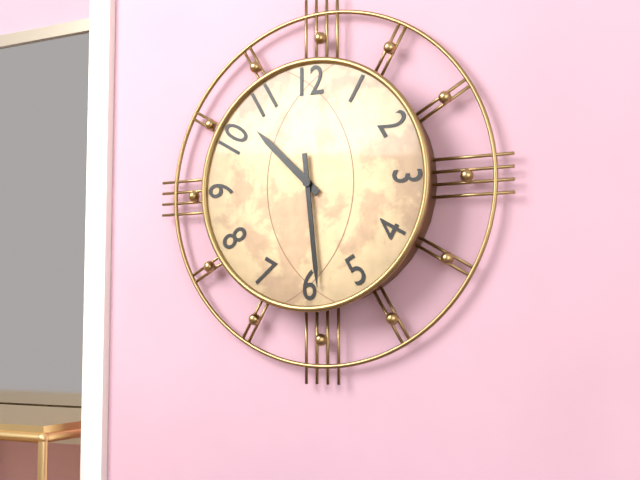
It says 10:29
